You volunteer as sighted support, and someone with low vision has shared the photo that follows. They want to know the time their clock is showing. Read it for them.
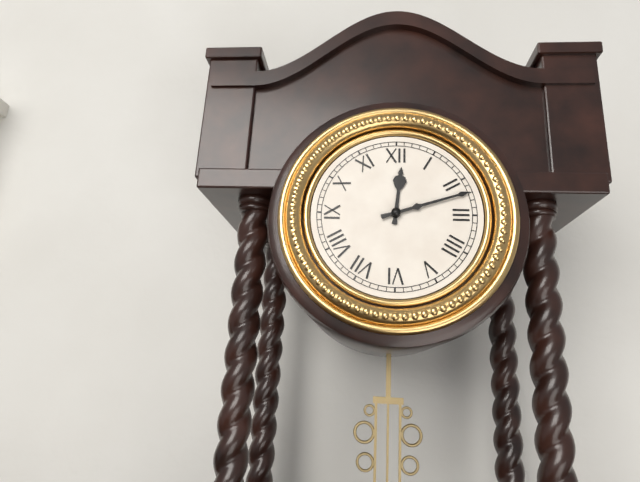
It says 12:12
